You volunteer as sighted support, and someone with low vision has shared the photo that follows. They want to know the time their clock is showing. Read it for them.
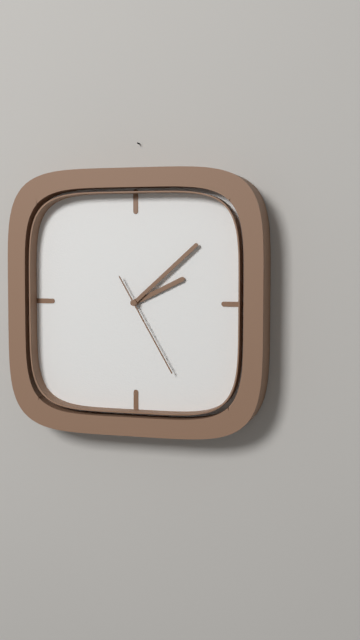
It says 2:08:25
